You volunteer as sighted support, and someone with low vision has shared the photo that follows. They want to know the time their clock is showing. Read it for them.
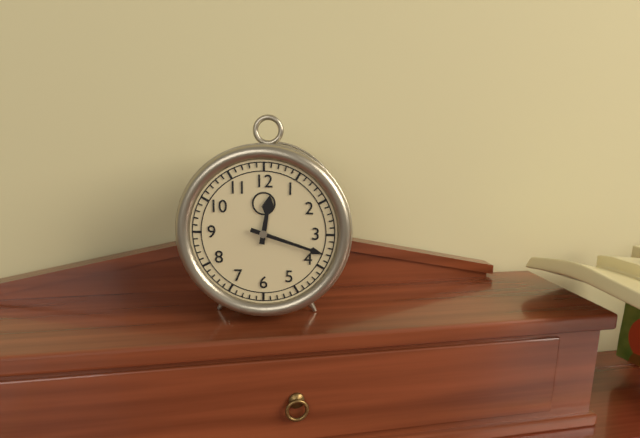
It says 12:18
